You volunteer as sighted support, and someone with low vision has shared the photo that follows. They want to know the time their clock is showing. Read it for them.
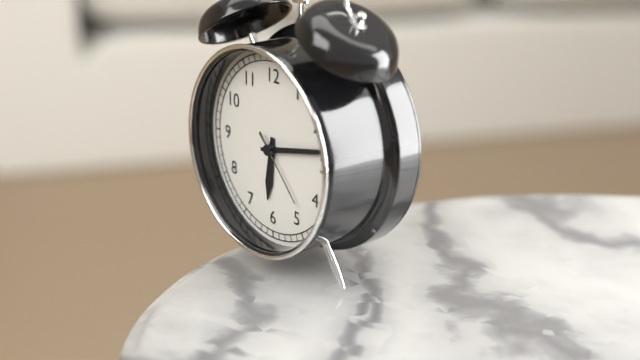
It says 6:13:23
